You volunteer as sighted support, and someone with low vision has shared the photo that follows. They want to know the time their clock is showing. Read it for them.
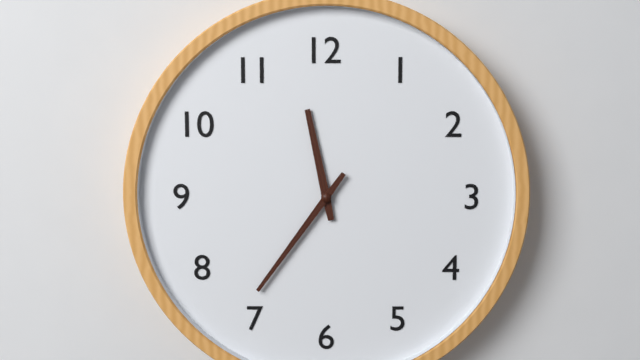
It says 11:36
